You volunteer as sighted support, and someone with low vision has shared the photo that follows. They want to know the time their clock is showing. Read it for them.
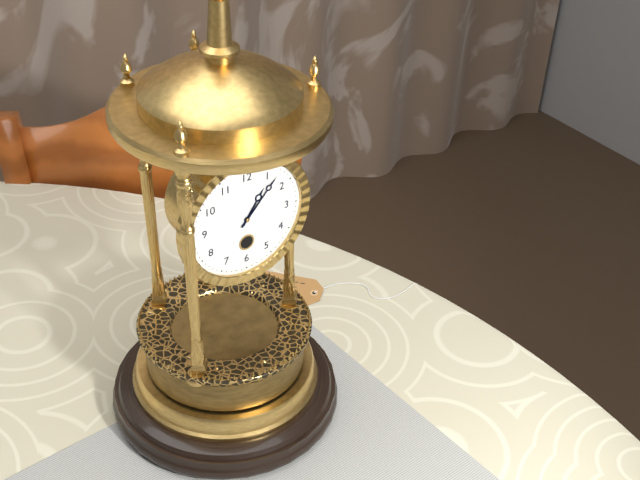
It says 1:07
